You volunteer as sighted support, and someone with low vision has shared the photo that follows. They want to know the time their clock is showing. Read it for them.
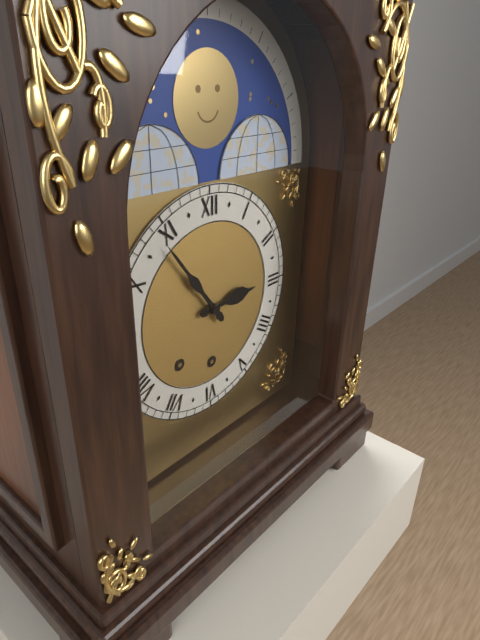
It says 2:54
